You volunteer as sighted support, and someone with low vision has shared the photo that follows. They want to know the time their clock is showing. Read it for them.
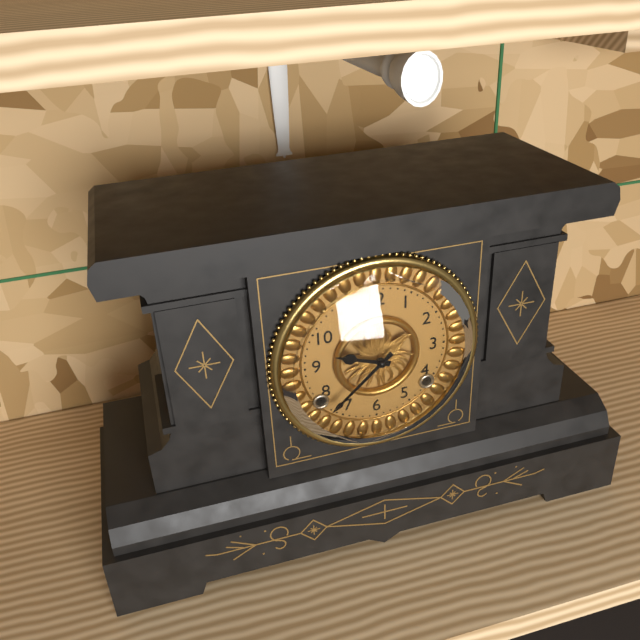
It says 9:38
